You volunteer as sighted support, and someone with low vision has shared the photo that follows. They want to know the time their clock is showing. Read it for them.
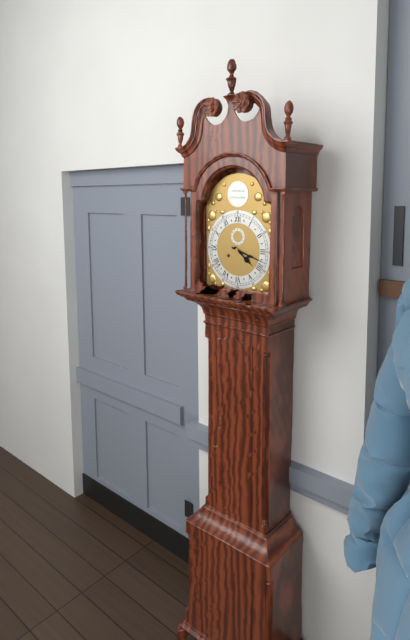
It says 4:18
